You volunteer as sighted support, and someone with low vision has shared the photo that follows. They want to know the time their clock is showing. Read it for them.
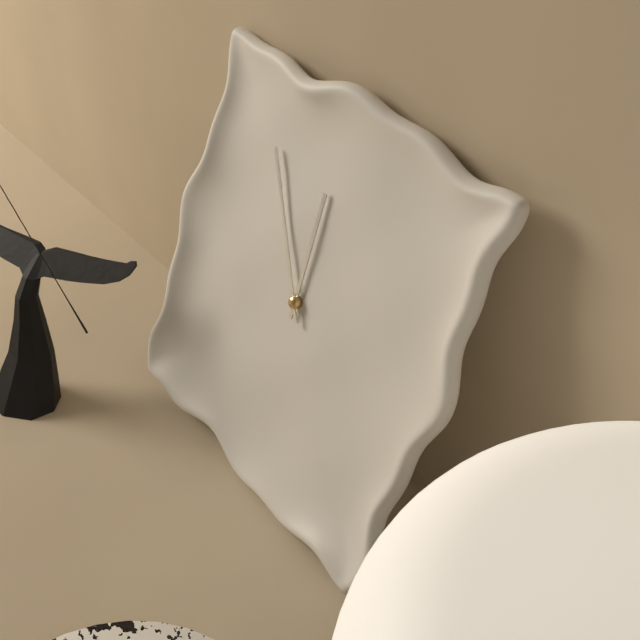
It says 11:54
